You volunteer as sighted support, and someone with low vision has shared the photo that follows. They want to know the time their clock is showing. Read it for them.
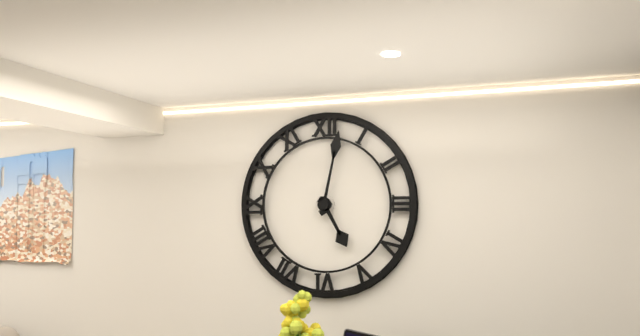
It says 5:02
